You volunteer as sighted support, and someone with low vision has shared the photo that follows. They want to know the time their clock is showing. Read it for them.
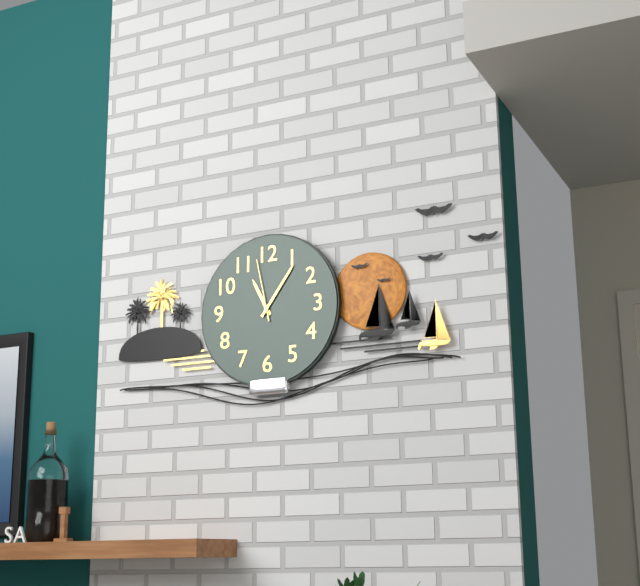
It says 11:06:58
